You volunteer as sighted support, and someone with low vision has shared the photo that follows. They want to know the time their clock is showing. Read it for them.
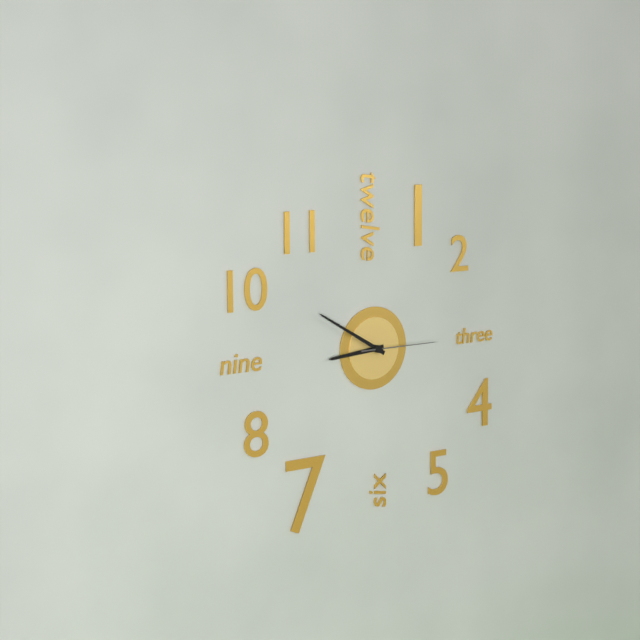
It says 8:50:15
